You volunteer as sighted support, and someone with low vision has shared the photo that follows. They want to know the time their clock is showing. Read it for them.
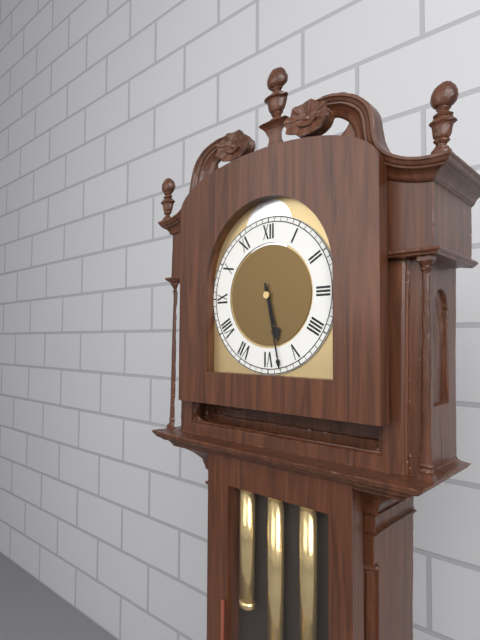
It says 5:28
